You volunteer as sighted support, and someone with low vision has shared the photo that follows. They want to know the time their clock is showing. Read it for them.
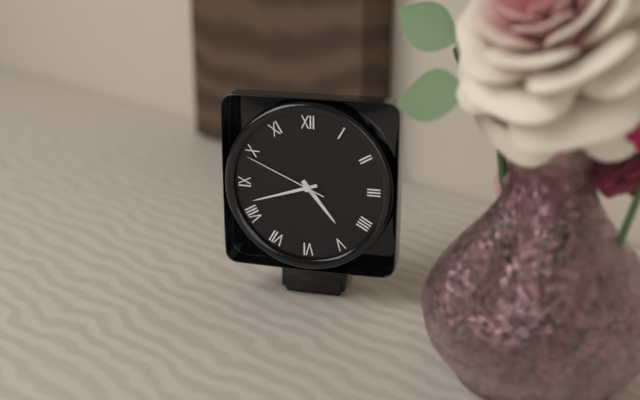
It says 4:42:49
